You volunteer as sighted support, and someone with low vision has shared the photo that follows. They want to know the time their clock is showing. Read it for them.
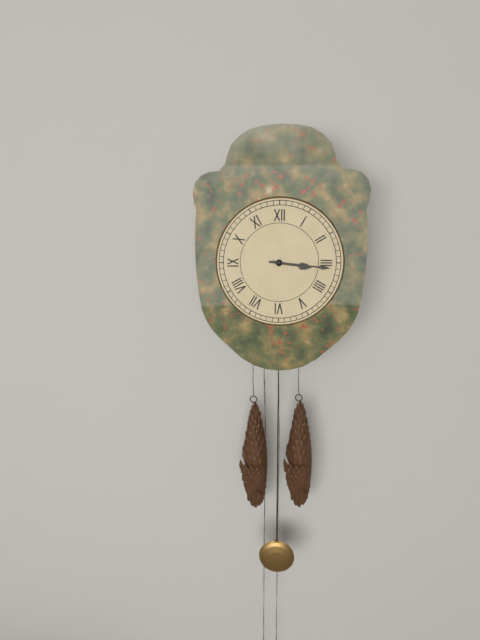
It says 3:16
